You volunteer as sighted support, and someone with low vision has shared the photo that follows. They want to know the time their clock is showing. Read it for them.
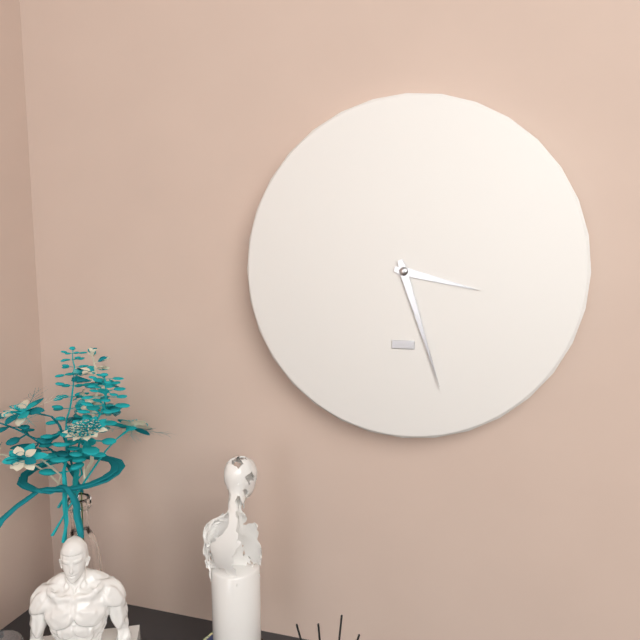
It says 3:27
